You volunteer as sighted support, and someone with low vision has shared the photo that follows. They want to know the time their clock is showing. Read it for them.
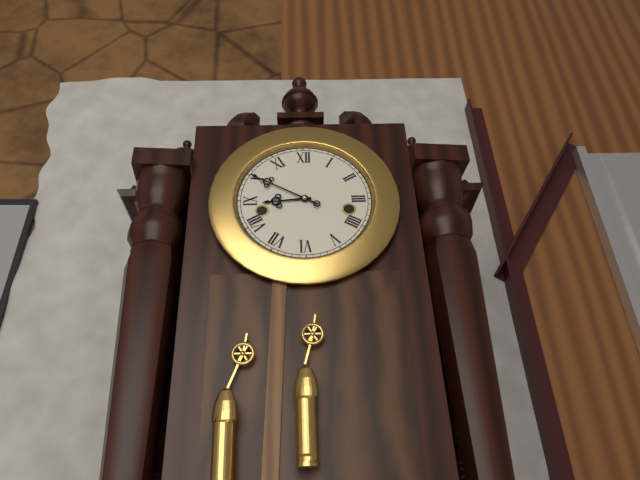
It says 8:50
